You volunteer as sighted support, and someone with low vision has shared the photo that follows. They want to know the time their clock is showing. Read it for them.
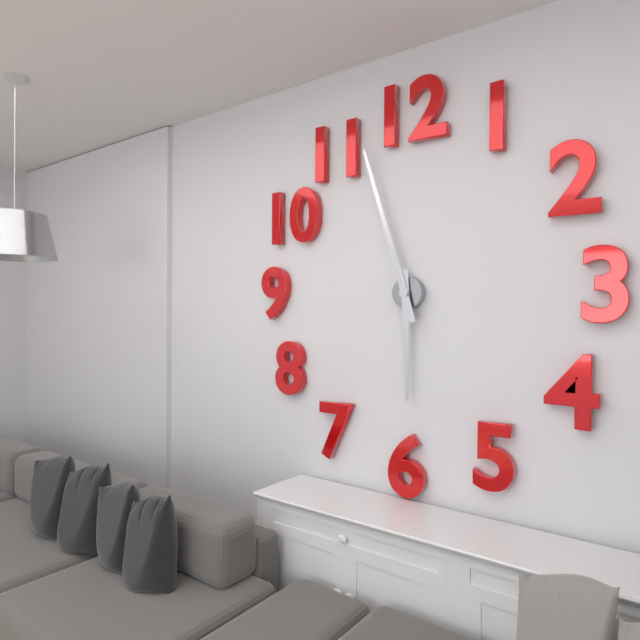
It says 5:57
